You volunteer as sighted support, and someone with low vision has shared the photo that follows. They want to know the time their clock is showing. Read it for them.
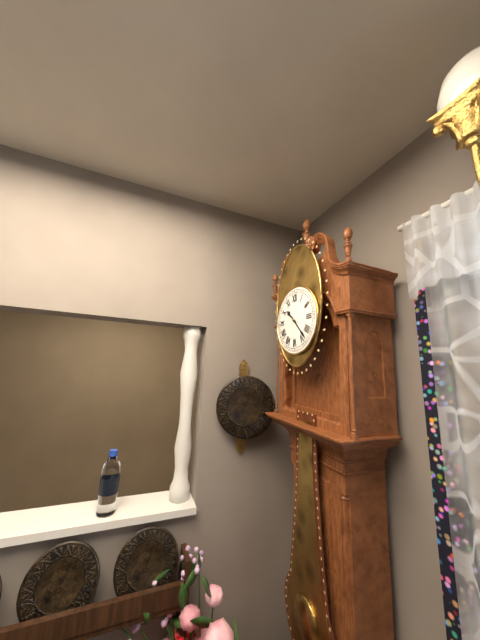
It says 10:23
